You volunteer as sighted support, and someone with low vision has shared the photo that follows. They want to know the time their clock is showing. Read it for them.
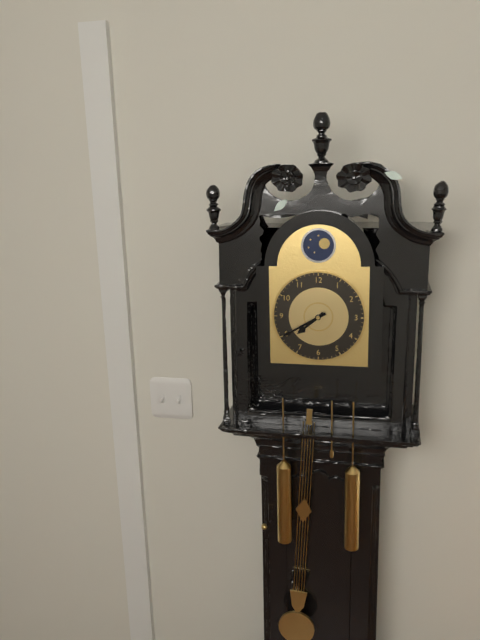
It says 7:40
